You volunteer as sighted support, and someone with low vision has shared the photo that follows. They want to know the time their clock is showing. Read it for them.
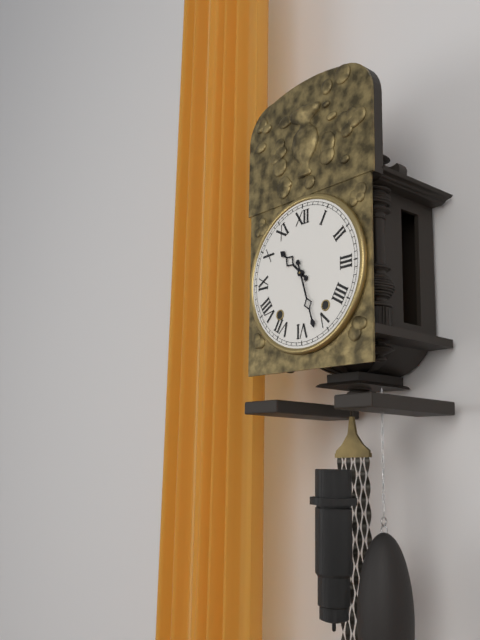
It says 10:27
